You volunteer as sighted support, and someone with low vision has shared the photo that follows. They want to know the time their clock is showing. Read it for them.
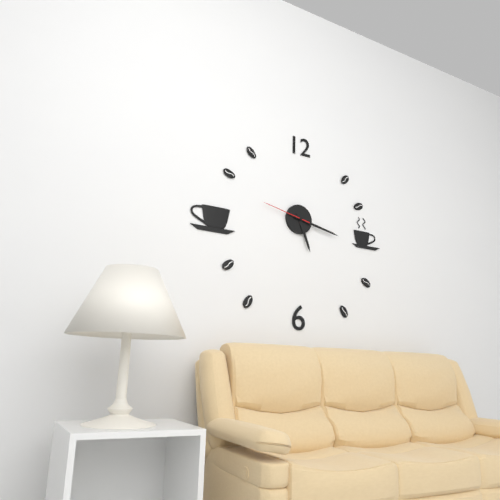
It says 5:17:47
